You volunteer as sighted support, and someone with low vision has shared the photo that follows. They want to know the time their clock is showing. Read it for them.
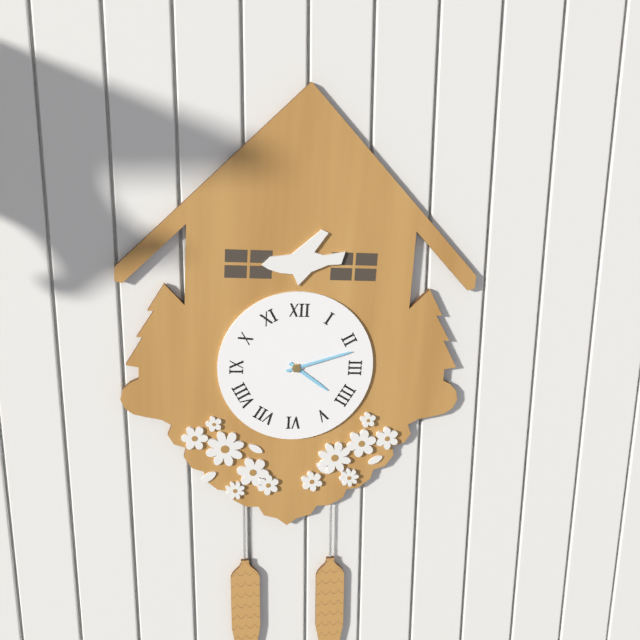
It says 4:12
